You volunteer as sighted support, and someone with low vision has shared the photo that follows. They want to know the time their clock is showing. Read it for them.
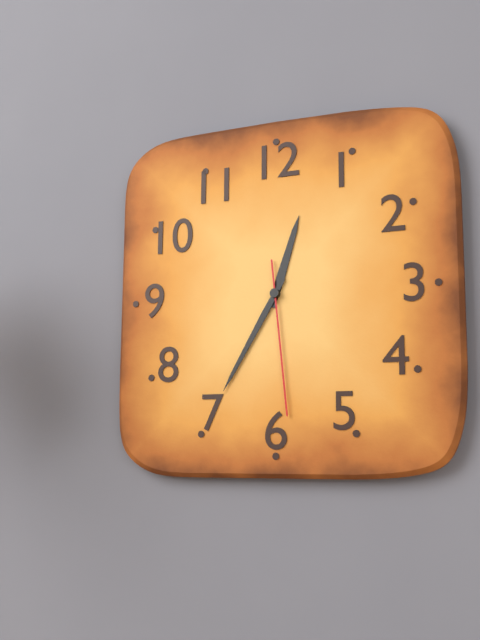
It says 12:35:29
